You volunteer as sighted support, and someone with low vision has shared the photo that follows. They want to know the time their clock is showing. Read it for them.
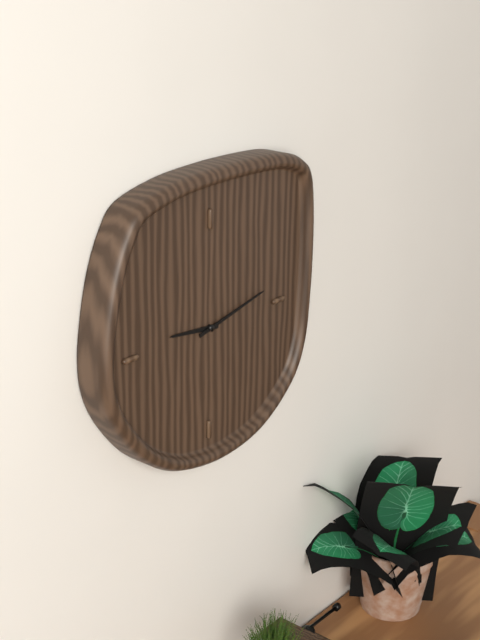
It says 9:13
